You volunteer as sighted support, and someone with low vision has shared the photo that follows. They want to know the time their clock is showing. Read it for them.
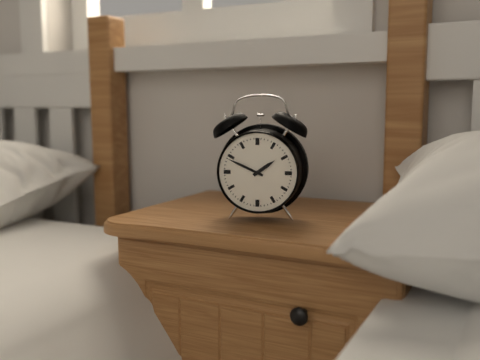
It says 1:49
